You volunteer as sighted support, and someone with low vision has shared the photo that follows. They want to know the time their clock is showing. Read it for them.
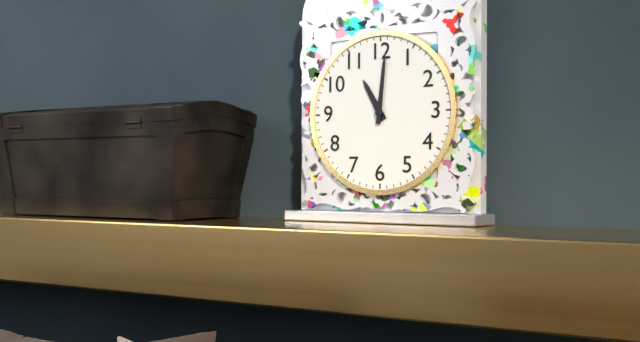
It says 11:01
